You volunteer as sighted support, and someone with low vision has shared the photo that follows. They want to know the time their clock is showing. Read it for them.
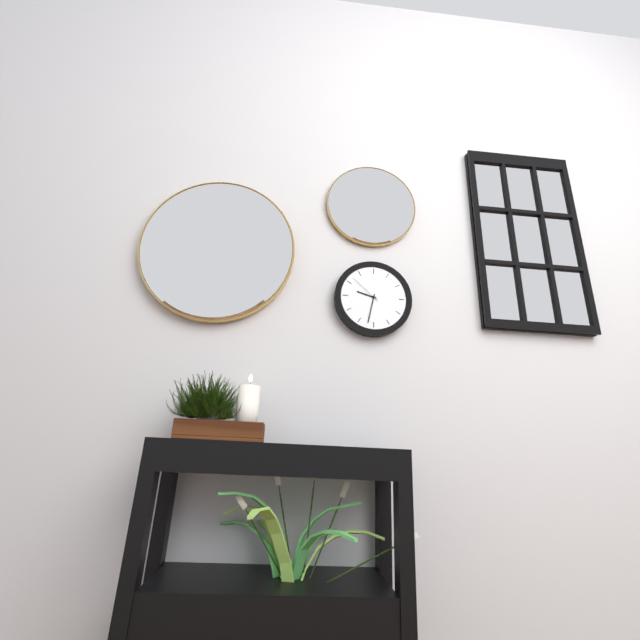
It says 9:32
